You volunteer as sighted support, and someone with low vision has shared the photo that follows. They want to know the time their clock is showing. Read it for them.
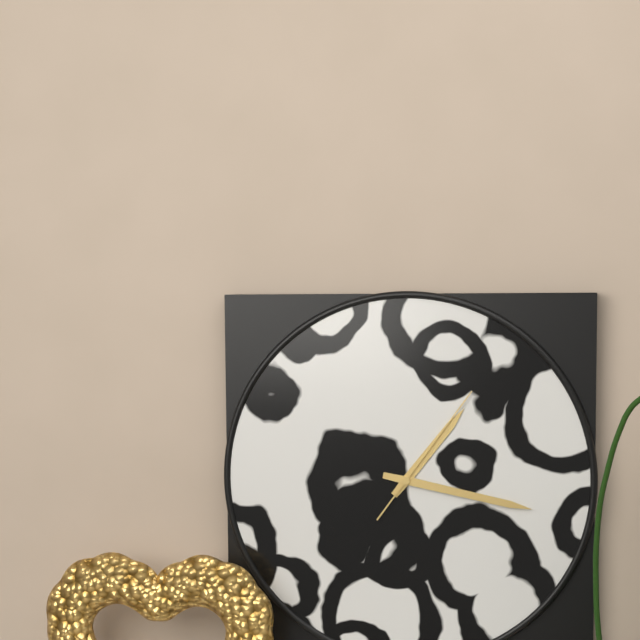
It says 1:17:06
